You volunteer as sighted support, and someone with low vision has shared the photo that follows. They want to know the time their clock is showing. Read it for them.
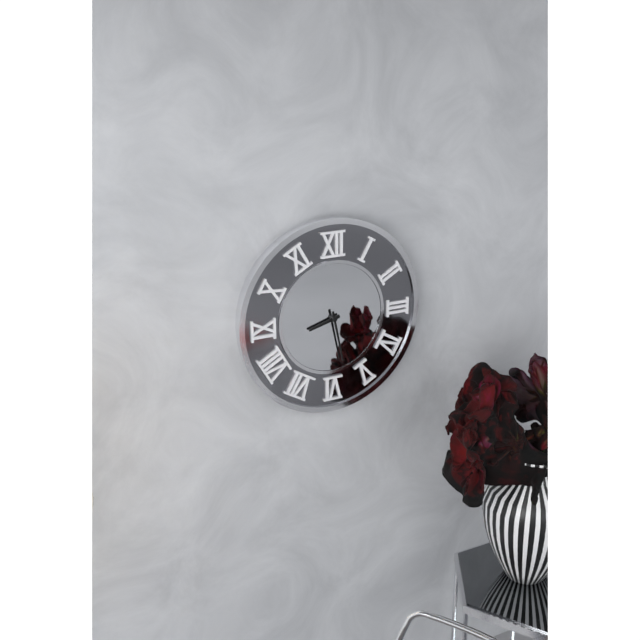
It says 8:28
